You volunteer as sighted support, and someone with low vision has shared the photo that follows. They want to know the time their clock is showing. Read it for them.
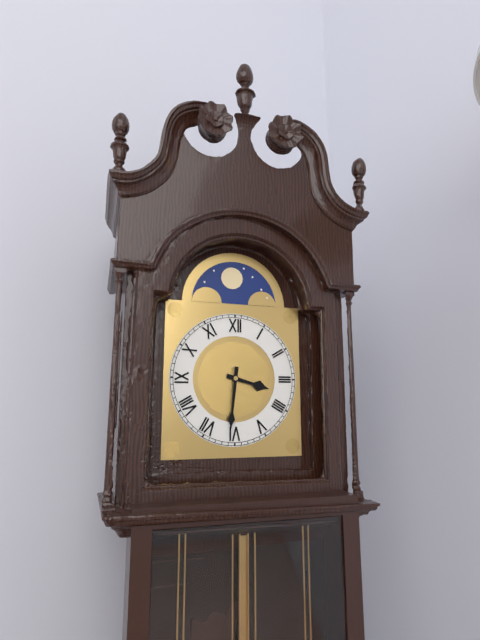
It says 3:31
